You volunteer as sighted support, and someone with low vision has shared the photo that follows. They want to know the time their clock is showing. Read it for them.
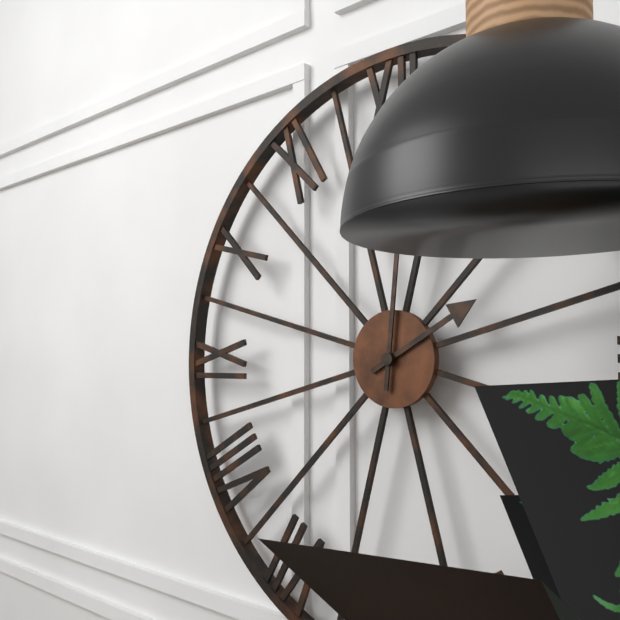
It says 2:01
